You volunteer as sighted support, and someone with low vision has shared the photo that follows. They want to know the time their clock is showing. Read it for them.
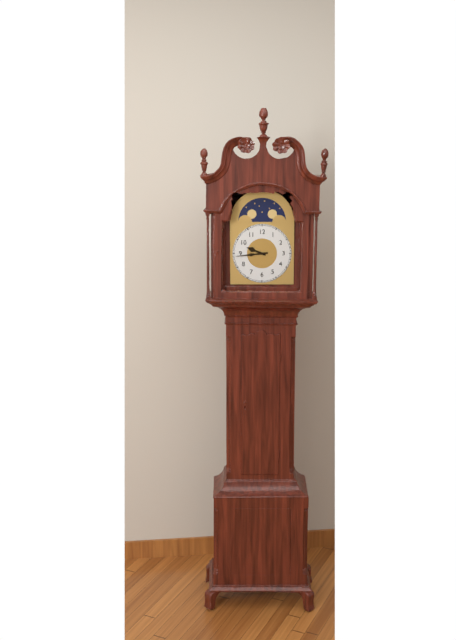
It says 9:44
